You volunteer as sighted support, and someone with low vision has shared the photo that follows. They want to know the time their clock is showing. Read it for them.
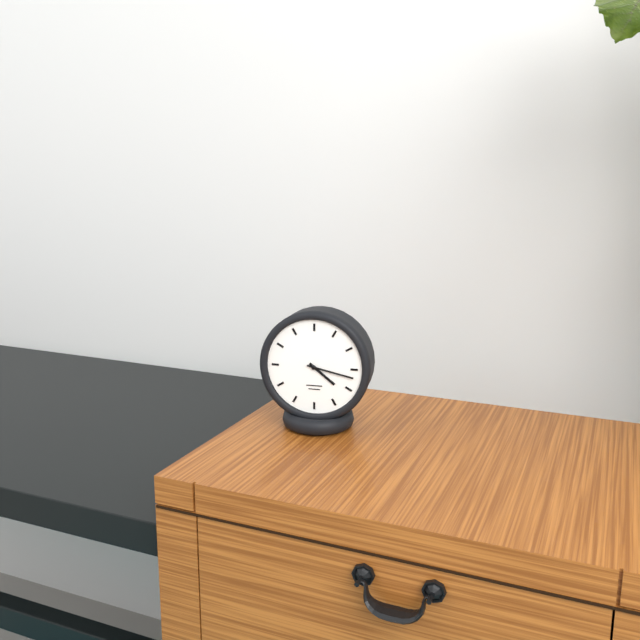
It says 4:17
